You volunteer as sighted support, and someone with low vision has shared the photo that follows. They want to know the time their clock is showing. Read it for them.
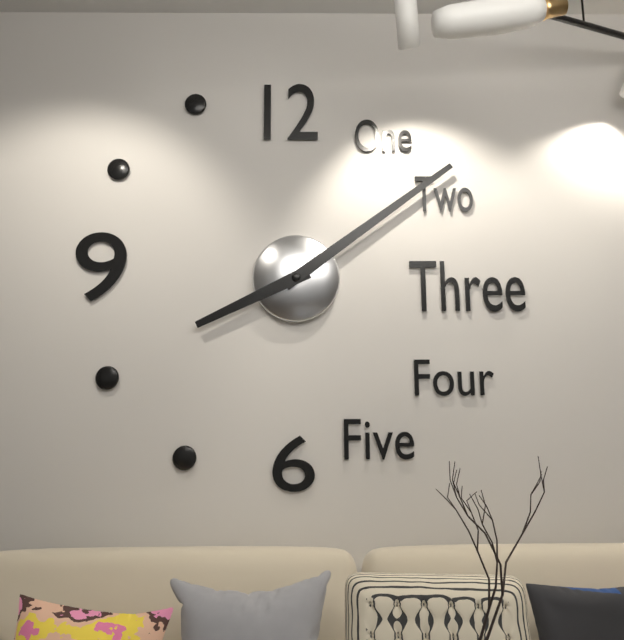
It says 8:09
